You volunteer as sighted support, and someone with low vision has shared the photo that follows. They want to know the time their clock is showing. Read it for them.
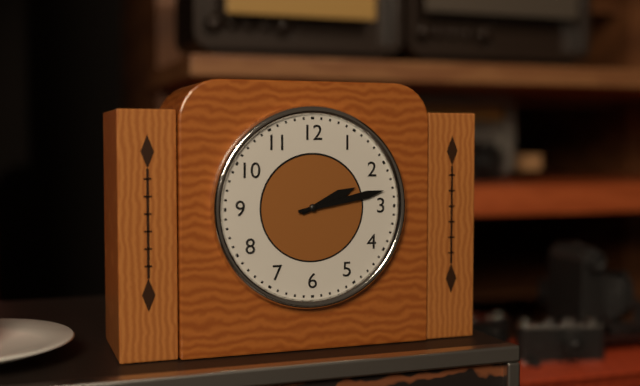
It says 2:13
